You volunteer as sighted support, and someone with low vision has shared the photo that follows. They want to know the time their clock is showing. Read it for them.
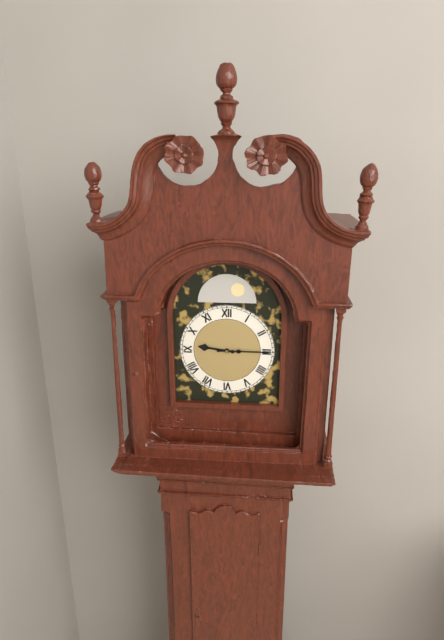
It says 9:15
